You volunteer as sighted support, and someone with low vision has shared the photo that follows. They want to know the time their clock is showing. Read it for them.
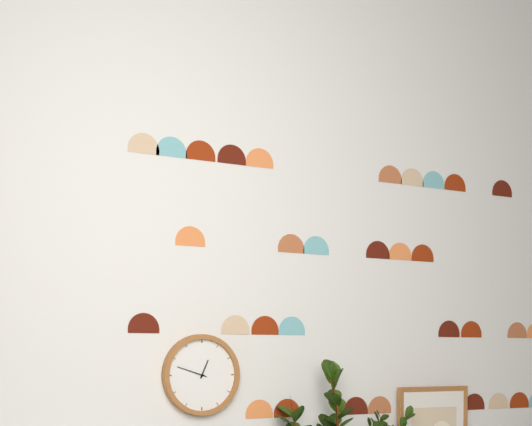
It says 12:48
